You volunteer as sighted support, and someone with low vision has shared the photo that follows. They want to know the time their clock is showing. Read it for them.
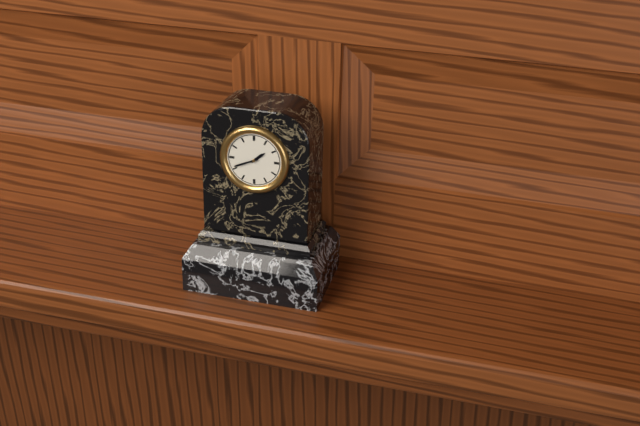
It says 1:41
